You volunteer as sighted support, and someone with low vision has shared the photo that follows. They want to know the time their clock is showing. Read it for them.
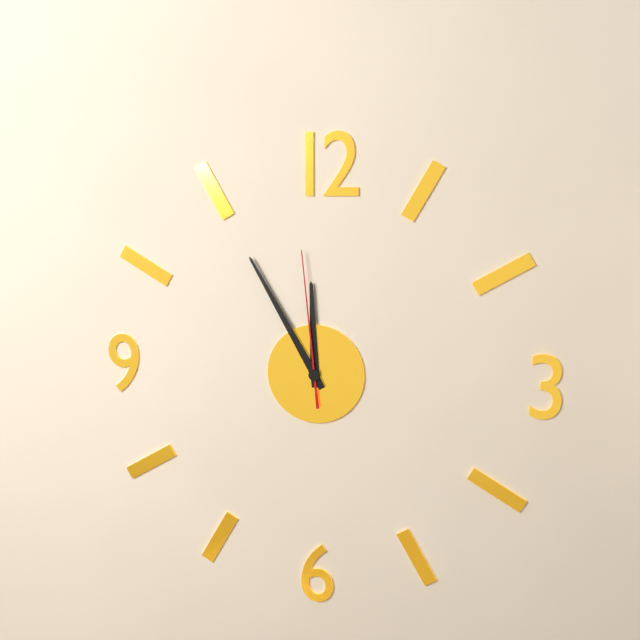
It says 11:55:59
